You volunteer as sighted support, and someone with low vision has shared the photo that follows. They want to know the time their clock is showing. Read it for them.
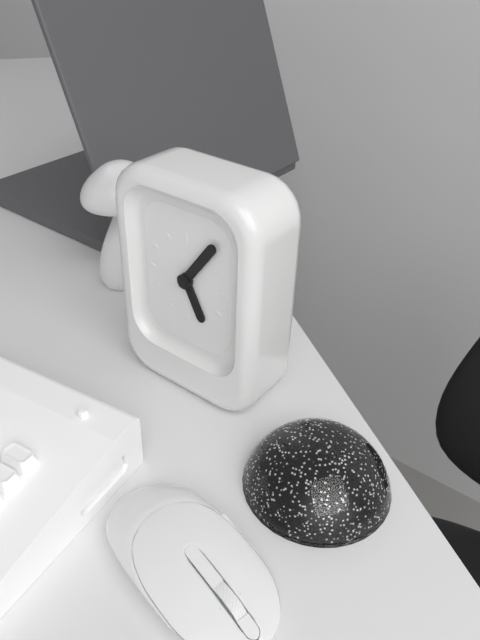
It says 5:06
